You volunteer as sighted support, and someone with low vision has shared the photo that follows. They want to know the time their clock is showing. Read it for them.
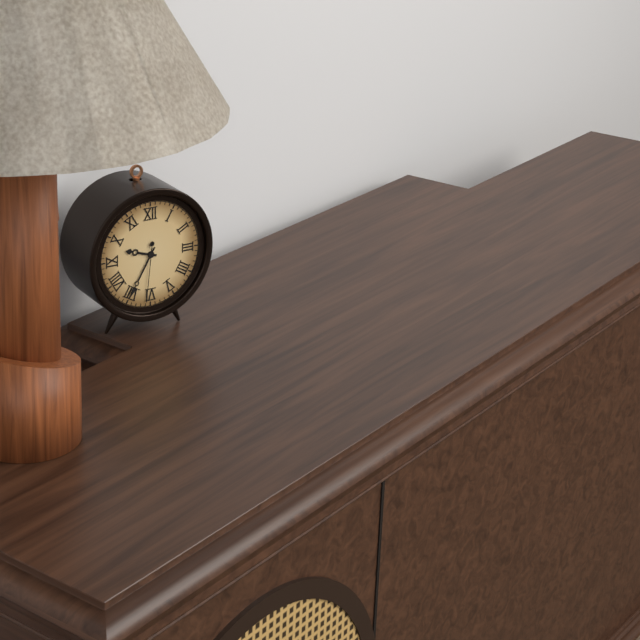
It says 9:35:31
